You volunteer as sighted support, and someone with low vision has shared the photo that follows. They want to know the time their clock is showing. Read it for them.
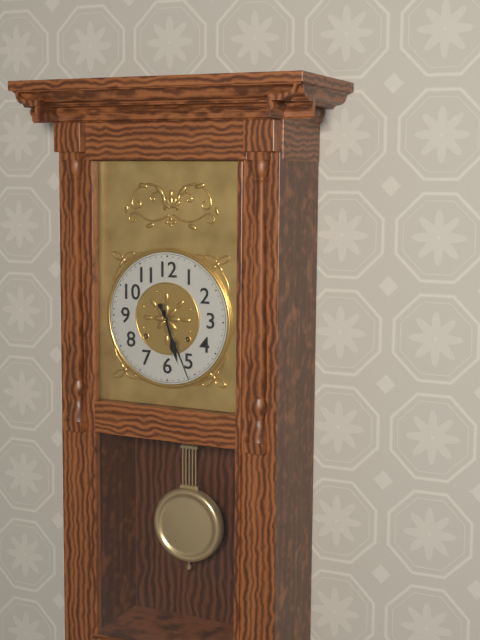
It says 5:26
